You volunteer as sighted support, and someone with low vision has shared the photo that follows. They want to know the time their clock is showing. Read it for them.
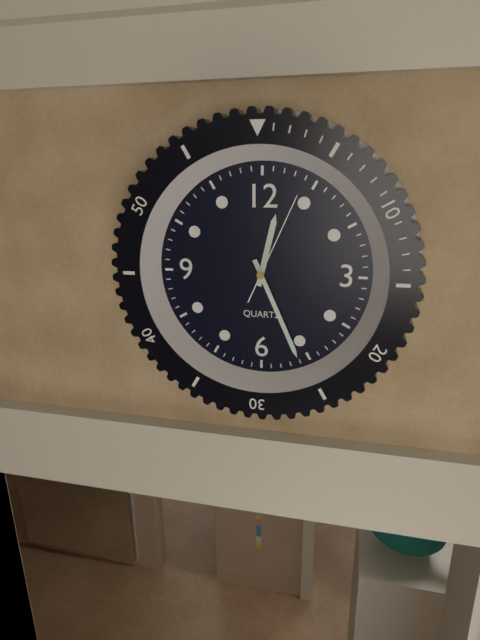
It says 12:26:04
